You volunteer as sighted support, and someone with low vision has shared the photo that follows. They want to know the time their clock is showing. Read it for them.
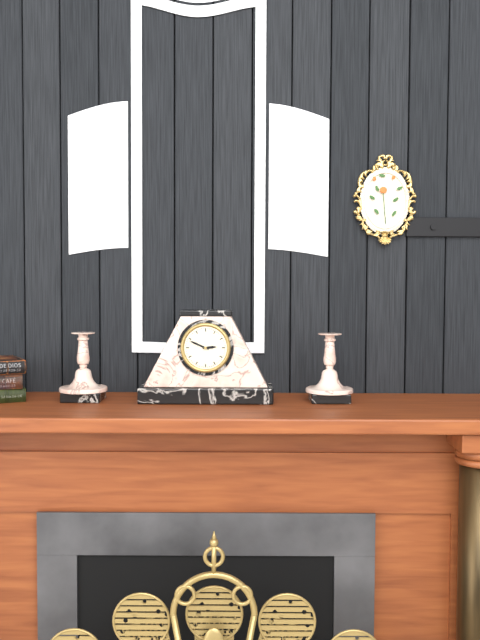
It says 2:49
